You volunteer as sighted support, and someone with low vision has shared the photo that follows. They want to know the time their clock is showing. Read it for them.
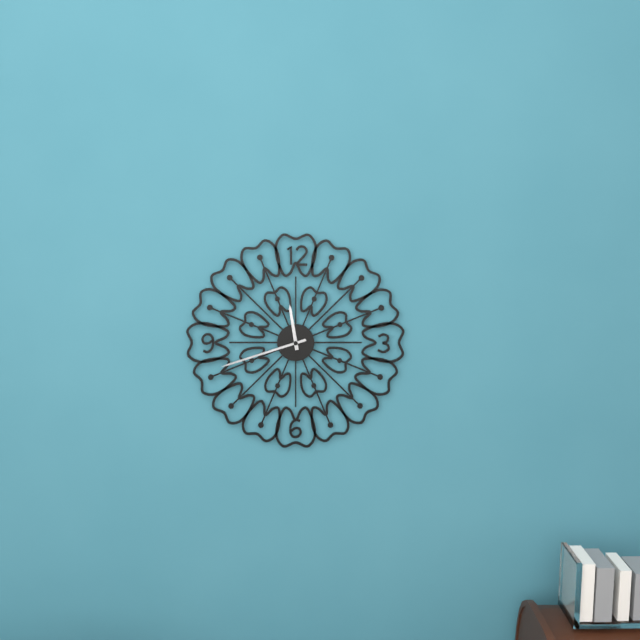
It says 11:42
